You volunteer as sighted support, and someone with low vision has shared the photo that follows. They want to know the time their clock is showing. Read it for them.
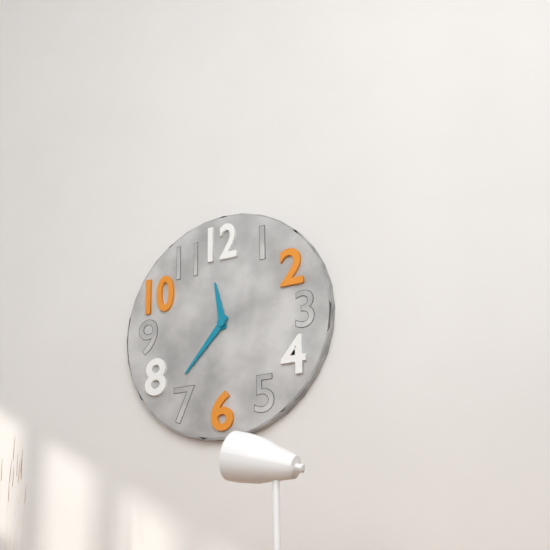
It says 11:37
